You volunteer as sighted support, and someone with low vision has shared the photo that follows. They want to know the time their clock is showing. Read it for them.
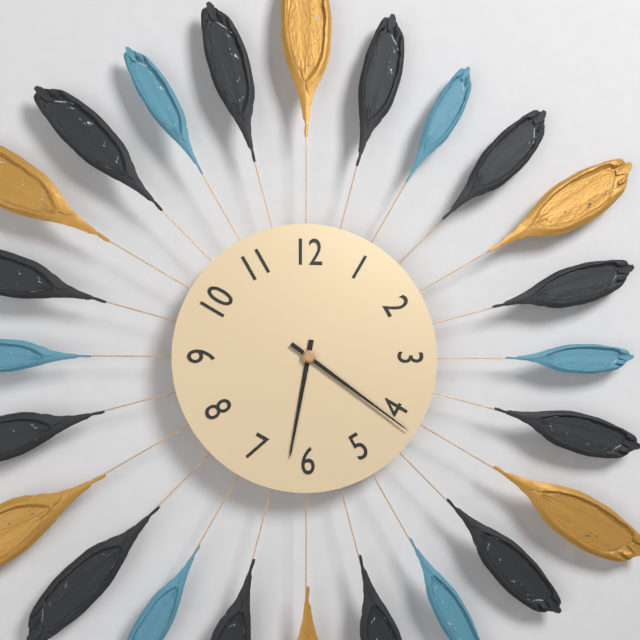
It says 6:21
